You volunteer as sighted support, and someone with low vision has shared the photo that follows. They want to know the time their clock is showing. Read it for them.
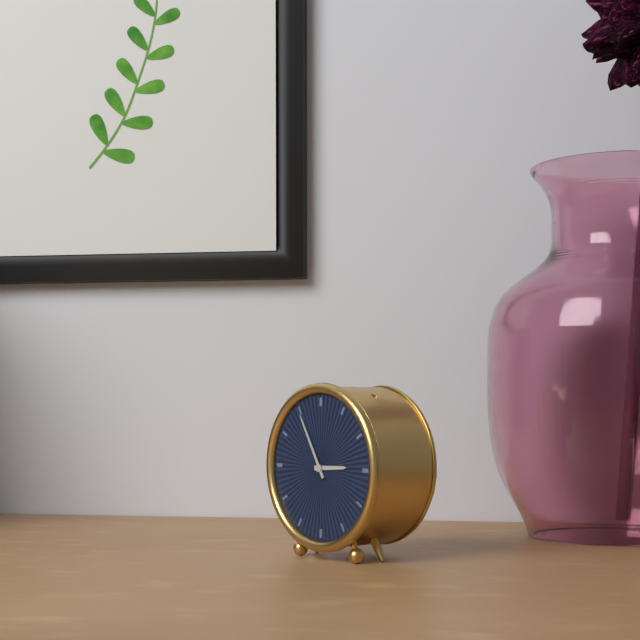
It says 2:55
